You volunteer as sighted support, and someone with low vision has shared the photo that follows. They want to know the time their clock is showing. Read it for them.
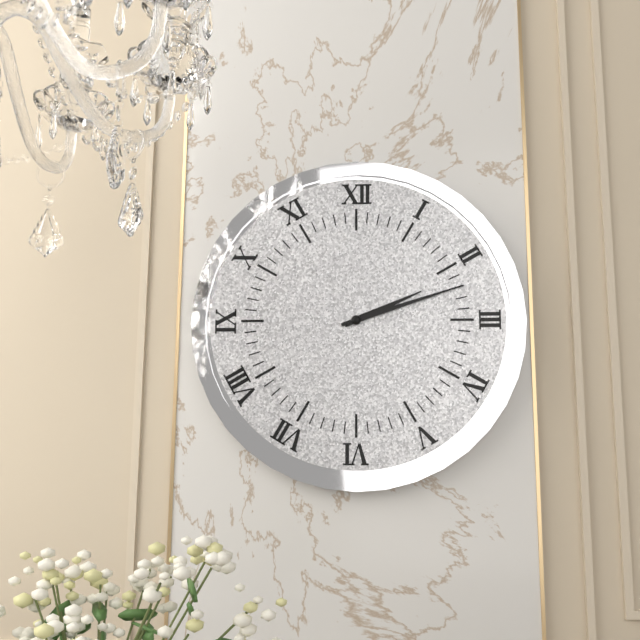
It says 2:12
